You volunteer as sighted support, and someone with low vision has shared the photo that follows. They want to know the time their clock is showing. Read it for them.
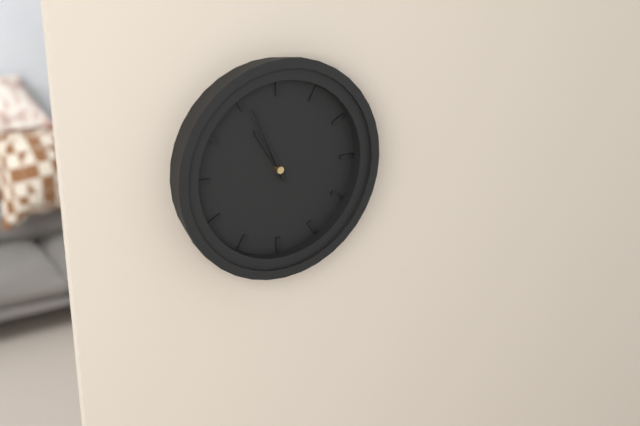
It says 10:56
